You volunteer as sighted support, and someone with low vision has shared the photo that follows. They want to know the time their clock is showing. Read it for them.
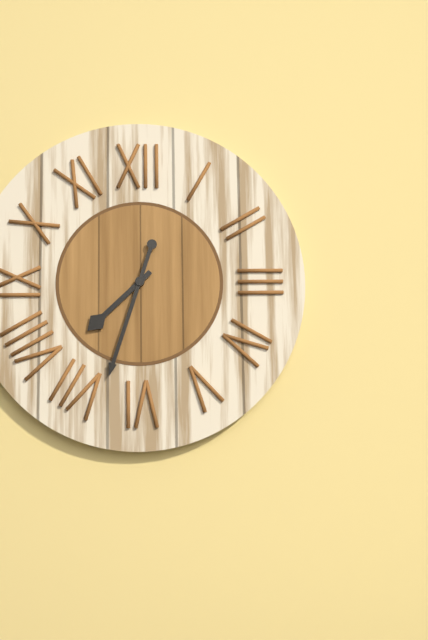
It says 7:33
